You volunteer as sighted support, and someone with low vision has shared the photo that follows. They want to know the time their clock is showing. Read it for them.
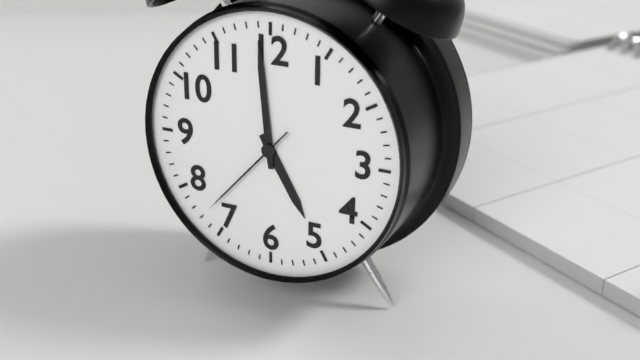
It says 4:59:37
